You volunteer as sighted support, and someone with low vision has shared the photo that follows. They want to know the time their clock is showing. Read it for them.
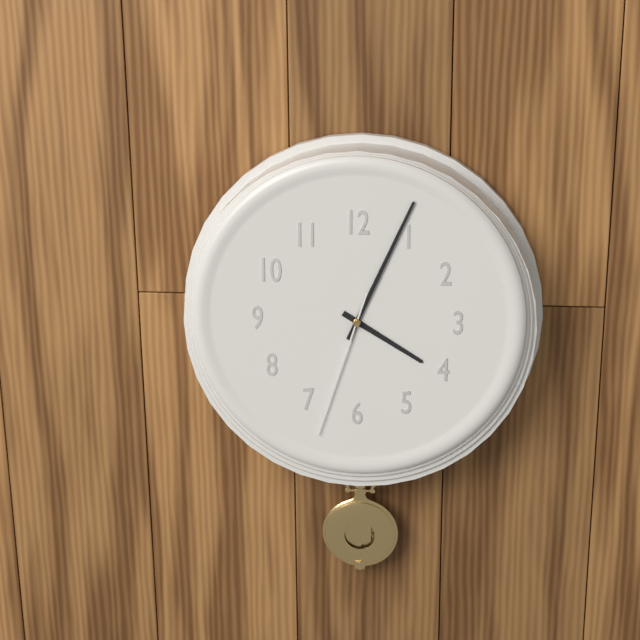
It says 4:04:33
